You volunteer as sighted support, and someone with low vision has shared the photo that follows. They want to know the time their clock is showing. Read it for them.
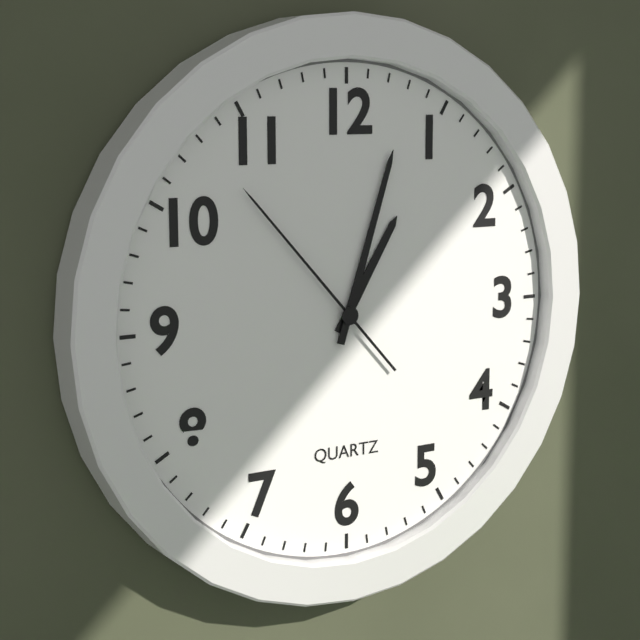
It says 1:03:53
